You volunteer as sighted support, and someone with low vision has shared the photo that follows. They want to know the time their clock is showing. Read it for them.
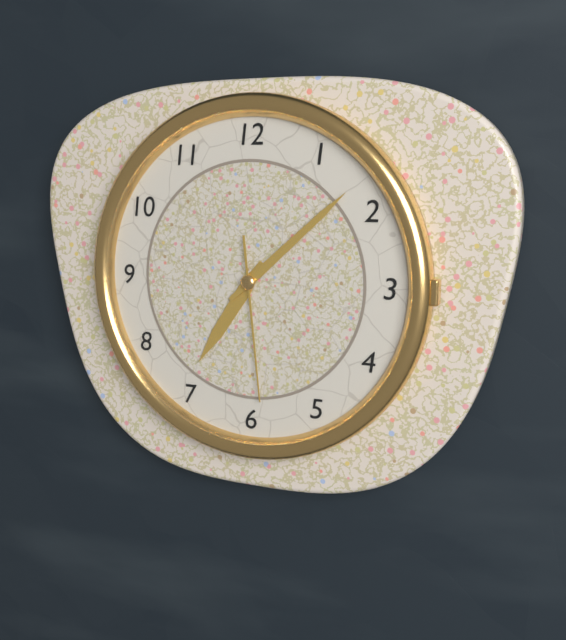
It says 7:08:29
